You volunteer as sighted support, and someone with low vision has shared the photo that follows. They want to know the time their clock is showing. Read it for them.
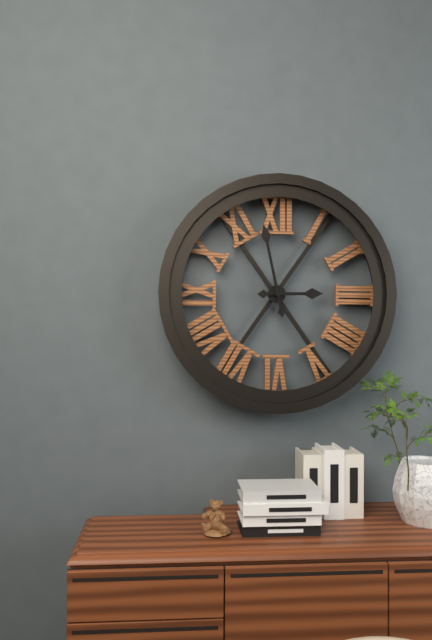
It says 2:58
